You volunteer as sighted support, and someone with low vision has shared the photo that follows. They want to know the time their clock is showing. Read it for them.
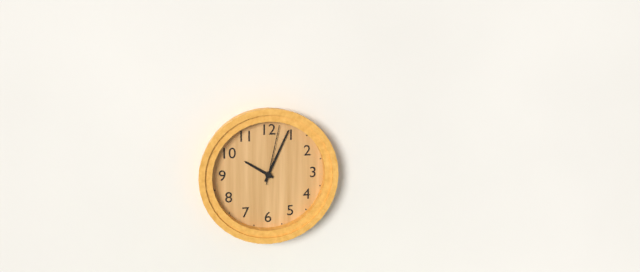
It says 10:04:02
